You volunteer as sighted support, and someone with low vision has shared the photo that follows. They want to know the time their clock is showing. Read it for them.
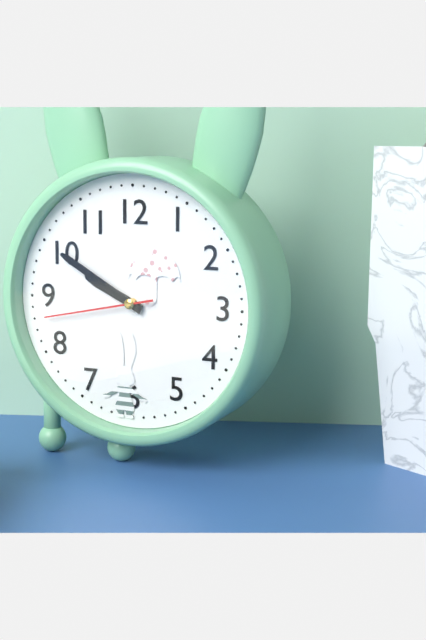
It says 9:50:43
